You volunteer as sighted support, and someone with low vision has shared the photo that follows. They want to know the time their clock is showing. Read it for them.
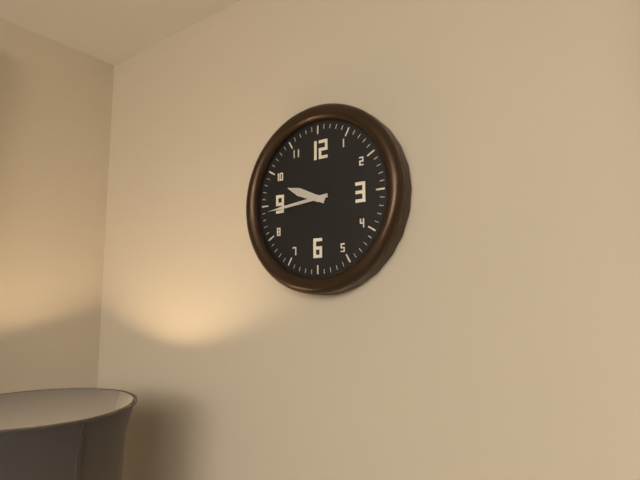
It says 9:44
